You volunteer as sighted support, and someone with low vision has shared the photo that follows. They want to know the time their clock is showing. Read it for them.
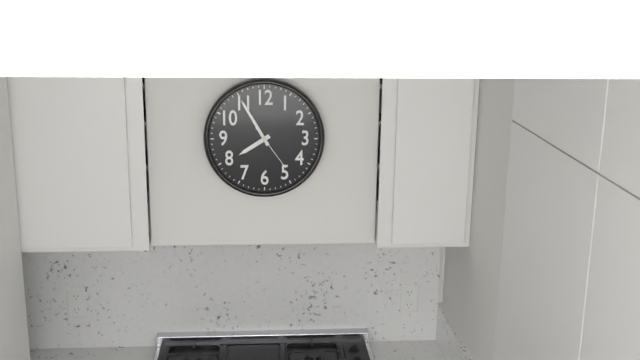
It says 7:55
